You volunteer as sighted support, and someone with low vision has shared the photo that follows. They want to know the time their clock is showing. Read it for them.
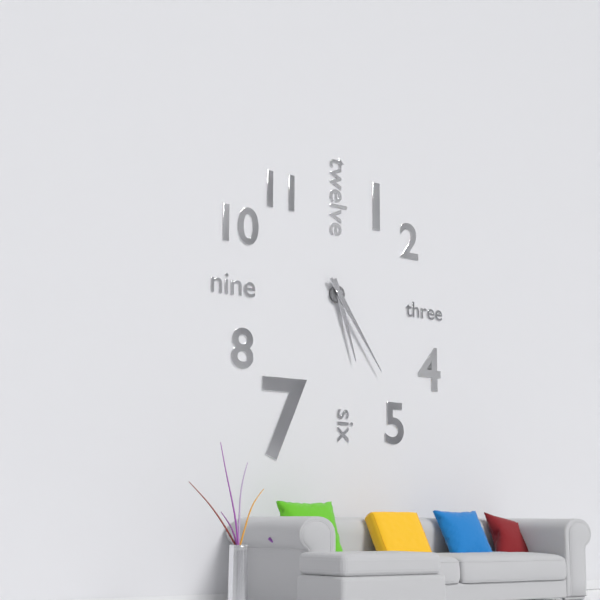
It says 5:24
